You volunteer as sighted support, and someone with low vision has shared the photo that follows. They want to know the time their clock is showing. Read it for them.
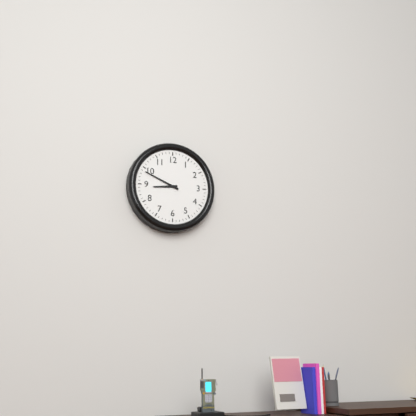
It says 8:49
